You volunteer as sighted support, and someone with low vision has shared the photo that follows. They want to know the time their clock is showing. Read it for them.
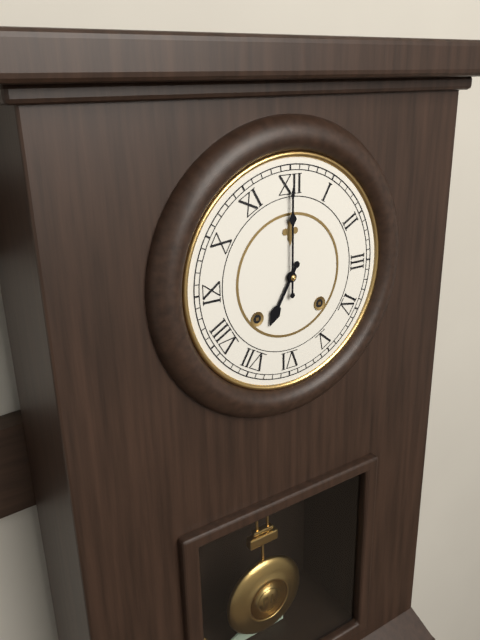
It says 7:00
